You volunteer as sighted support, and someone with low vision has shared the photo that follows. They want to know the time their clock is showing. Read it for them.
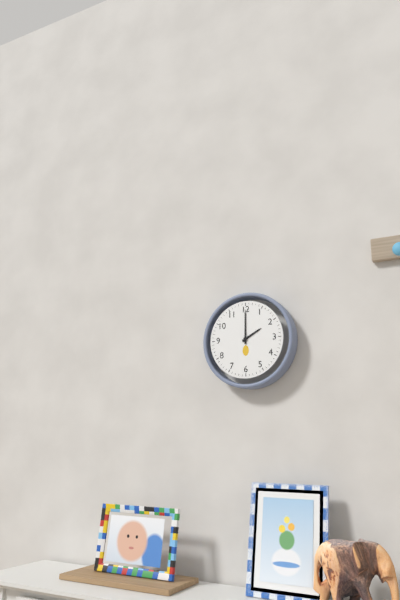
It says 2:00
